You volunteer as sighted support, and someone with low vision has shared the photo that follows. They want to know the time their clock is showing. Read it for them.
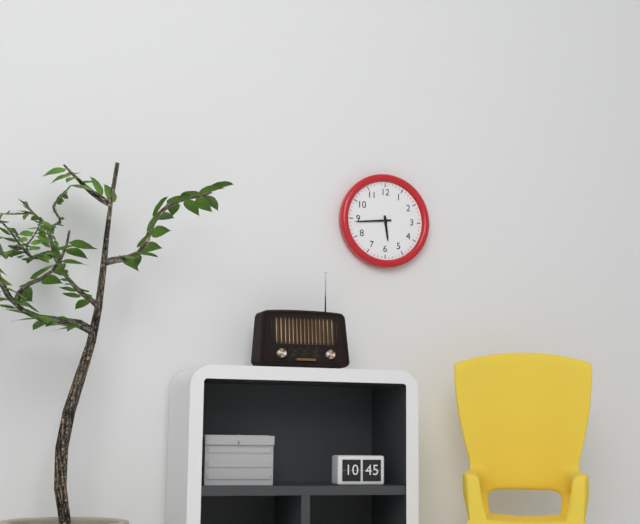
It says 5:44
